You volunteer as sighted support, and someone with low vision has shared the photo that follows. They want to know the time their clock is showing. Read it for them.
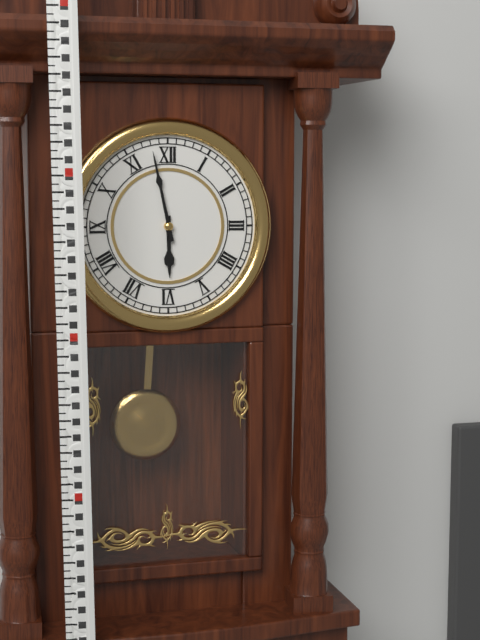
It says 5:58
